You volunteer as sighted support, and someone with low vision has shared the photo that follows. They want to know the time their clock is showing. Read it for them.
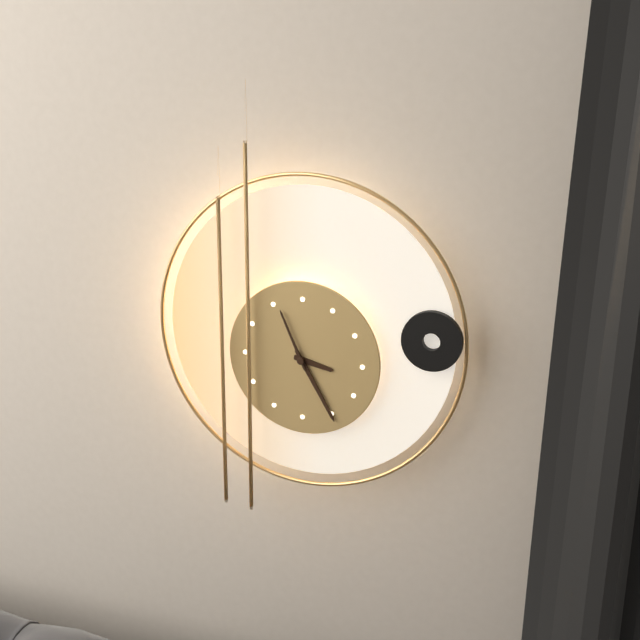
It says 3:25:56
